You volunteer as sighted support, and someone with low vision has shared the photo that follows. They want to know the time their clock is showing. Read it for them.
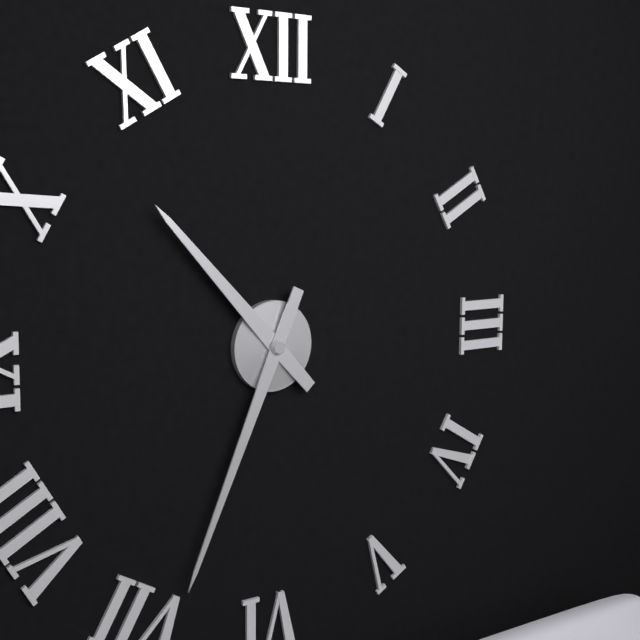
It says 10:34
